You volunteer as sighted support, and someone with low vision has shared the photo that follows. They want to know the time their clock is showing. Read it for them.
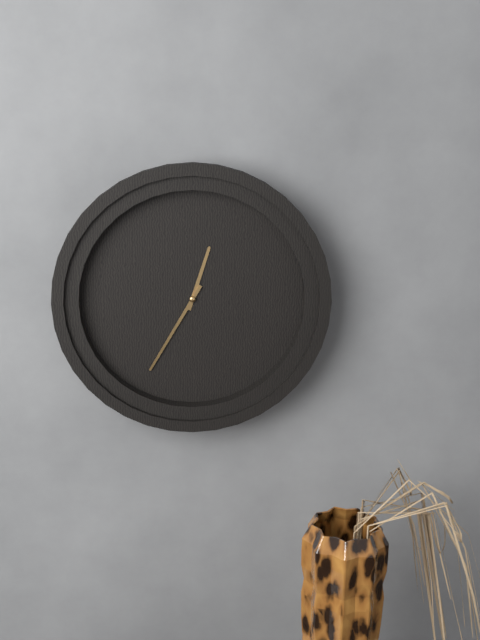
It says 12:35
